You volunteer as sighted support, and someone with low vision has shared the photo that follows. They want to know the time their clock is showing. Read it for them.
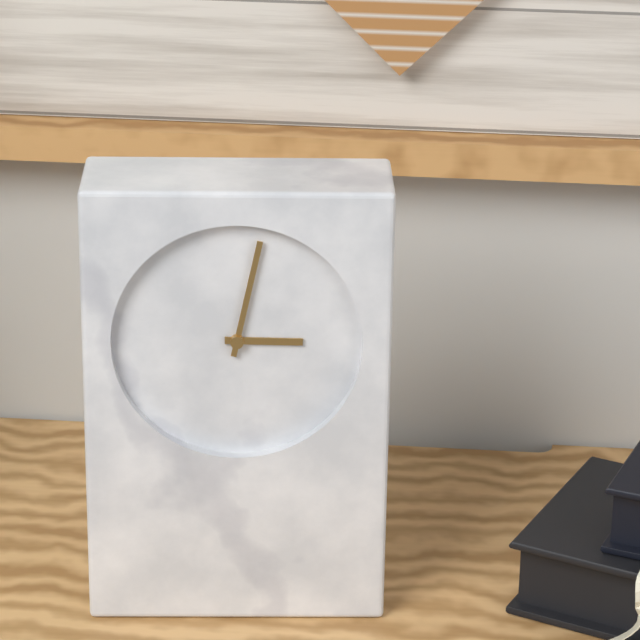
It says 3:02
